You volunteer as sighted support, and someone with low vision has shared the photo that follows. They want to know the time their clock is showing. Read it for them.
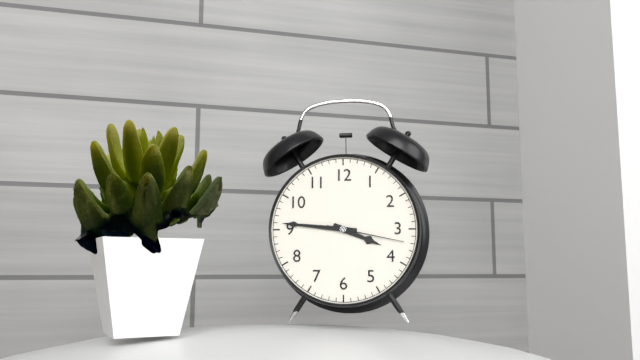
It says 3:46:17
